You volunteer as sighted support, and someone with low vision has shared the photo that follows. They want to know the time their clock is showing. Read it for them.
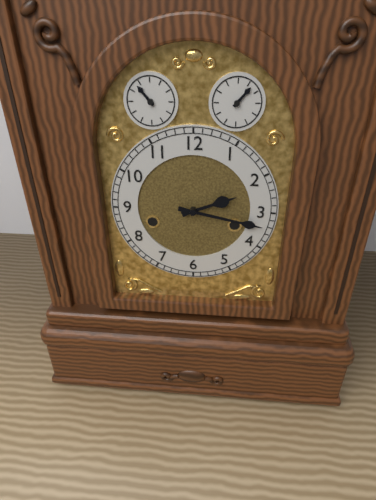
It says 2:17
